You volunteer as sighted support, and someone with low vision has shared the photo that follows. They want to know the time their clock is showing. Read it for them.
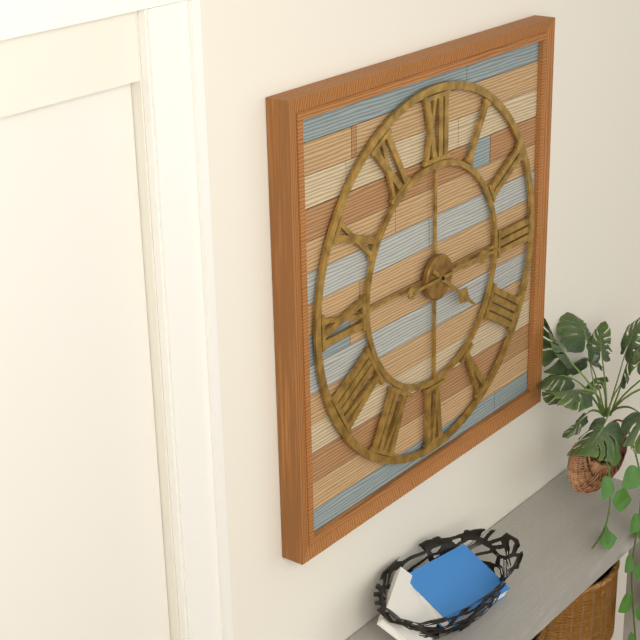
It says 4:15
